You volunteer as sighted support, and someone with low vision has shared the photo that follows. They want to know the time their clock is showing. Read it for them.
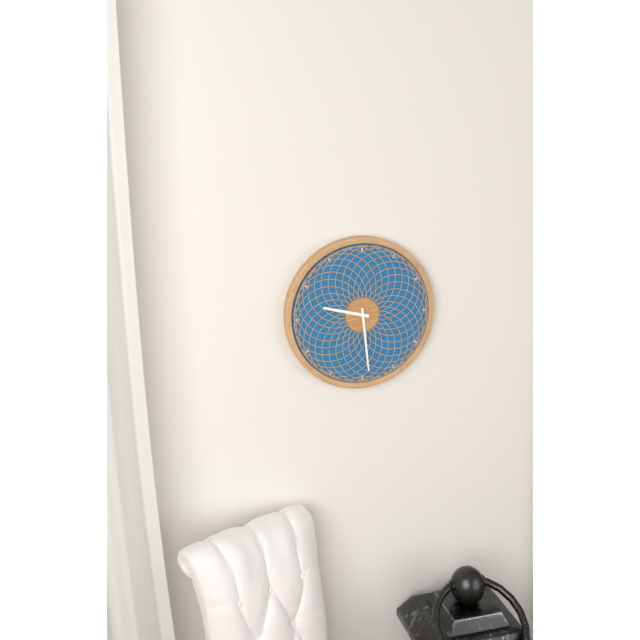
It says 9:29
